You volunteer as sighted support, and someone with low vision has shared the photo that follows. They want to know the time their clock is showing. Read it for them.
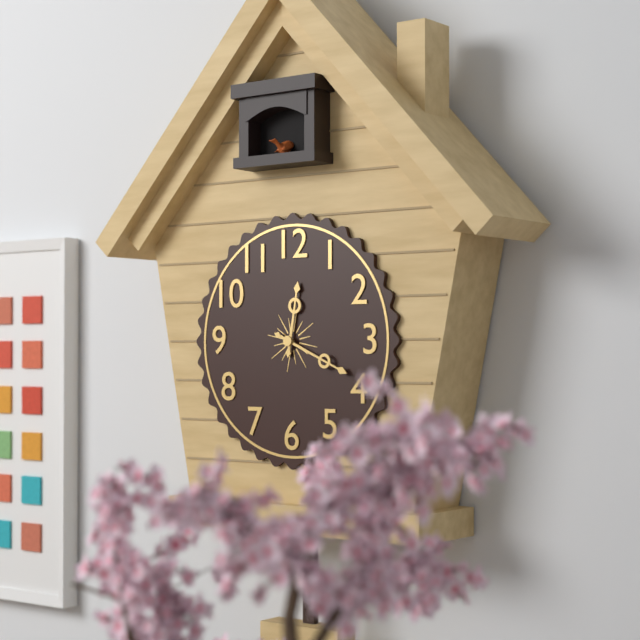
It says 12:19
